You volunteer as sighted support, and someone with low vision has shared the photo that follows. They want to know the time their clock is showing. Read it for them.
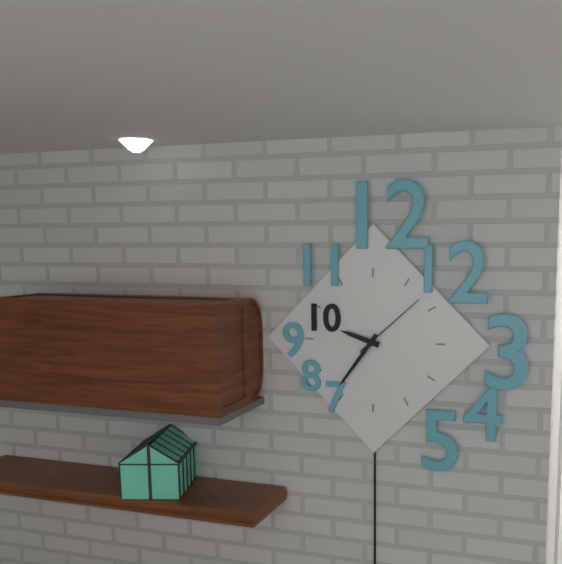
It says 9:36:08
